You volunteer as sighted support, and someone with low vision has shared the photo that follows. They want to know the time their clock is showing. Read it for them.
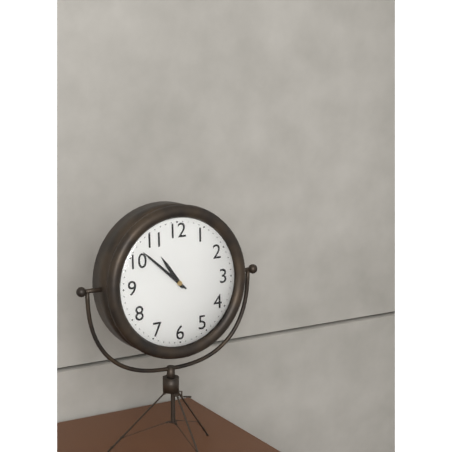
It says 10:52
